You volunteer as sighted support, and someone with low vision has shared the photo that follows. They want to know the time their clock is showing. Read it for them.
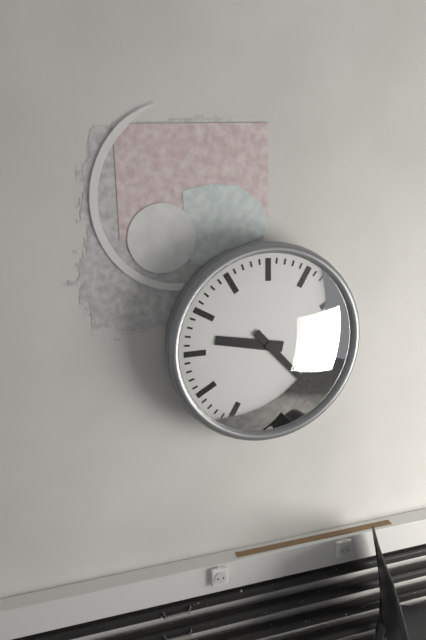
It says 9:23
